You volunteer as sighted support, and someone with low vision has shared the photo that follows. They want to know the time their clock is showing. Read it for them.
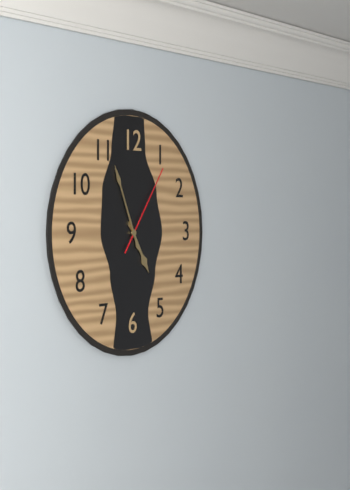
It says 4:56:06
